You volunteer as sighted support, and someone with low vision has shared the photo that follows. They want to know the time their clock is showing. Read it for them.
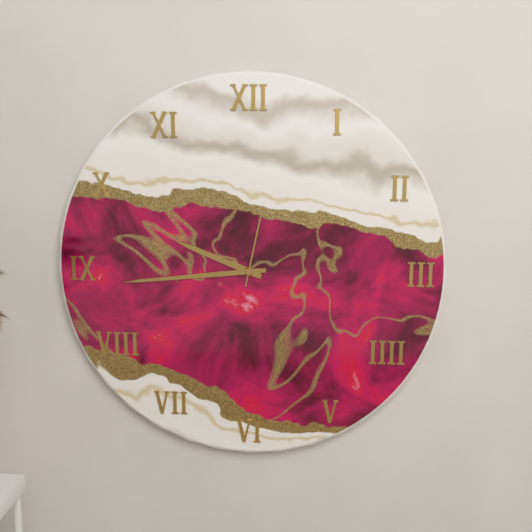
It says 9:44:02
